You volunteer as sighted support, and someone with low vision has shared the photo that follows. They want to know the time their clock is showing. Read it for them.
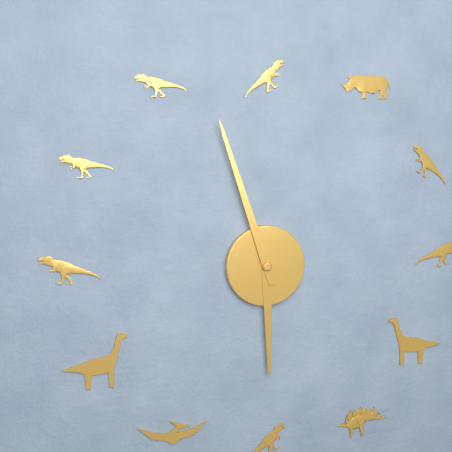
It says 5:57
